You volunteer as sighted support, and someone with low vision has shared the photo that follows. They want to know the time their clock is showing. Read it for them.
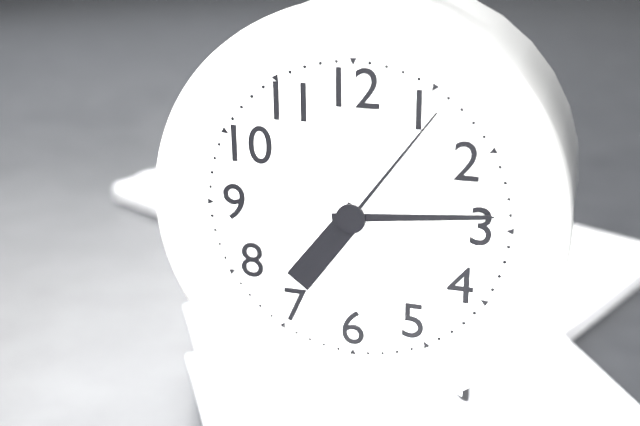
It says 7:14:06
